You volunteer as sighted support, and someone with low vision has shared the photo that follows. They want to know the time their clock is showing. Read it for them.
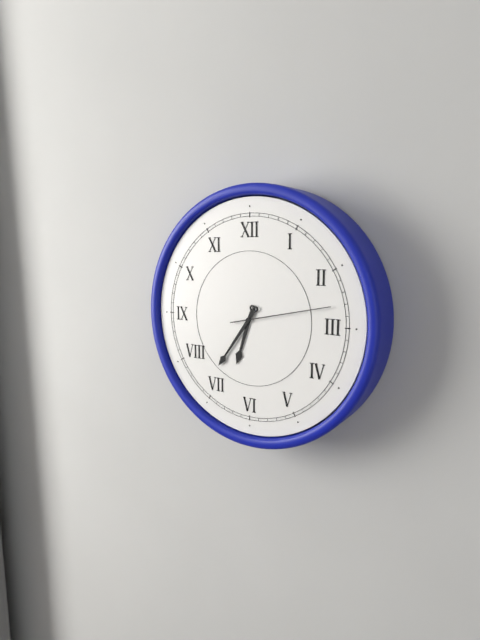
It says 6:36:13
